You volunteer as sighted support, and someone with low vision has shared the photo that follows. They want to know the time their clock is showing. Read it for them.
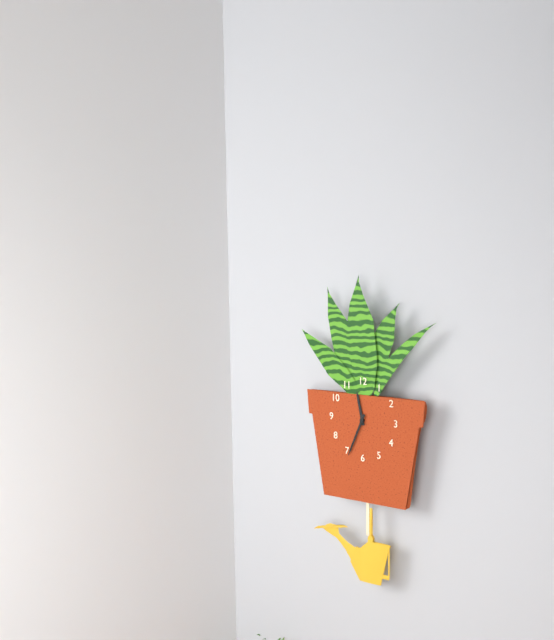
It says 11:34
